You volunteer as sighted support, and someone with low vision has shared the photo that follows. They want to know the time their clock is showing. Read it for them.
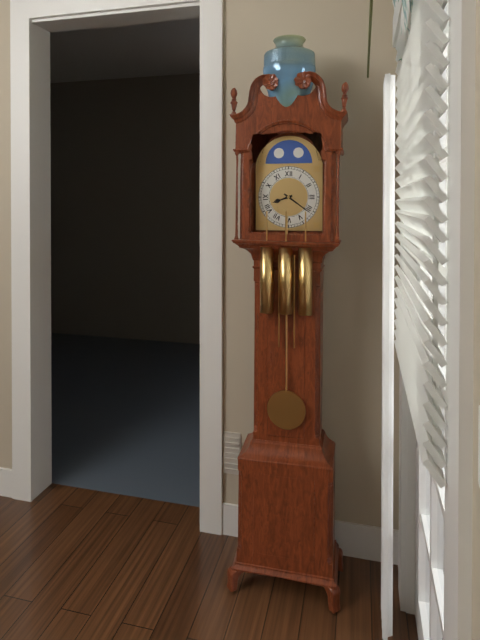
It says 8:21
